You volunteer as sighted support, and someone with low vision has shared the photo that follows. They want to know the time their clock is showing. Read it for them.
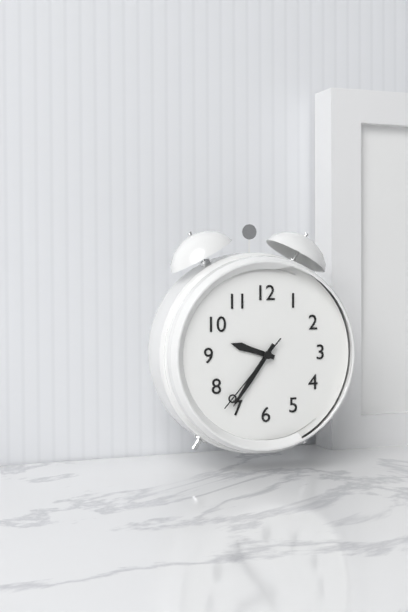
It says 9:36:37
